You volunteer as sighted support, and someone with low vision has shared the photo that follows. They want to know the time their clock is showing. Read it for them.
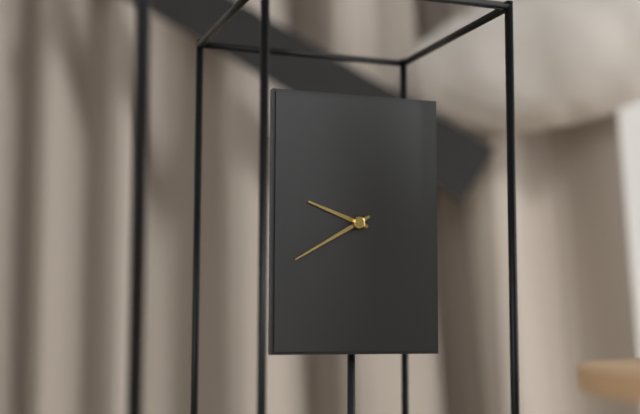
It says 9:40
